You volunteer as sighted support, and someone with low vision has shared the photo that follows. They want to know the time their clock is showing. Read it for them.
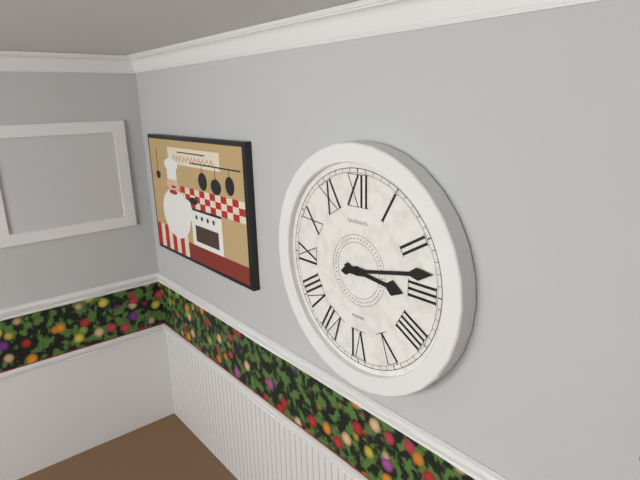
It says 3:13
